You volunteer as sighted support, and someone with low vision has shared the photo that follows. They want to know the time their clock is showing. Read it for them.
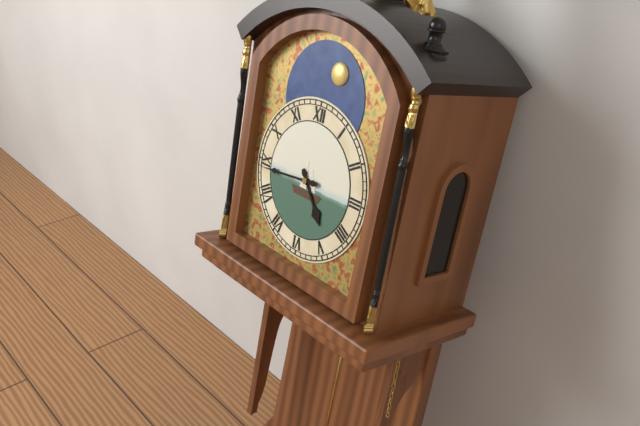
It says 4:44
